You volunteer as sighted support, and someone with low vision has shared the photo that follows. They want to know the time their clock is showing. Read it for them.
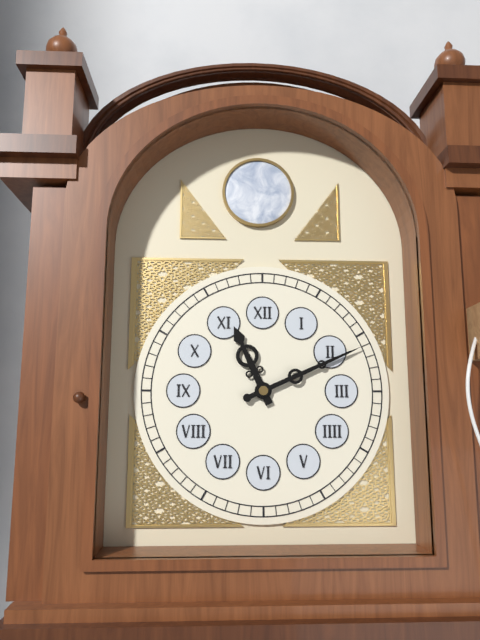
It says 11:11
